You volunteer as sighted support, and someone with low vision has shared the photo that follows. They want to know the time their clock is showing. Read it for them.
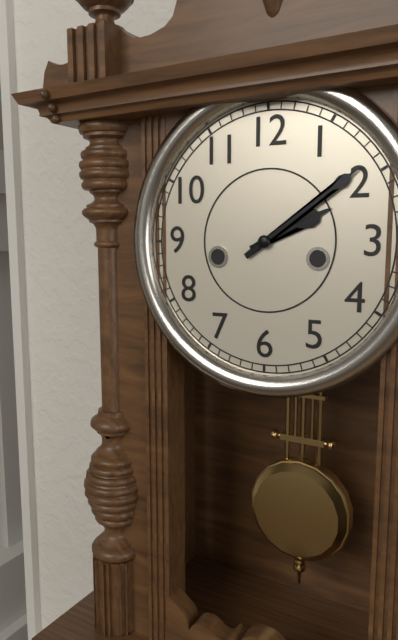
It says 2:09
